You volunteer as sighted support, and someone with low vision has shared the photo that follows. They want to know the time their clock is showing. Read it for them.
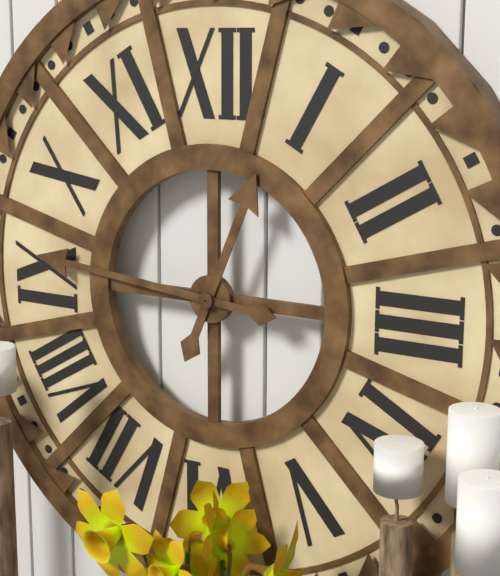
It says 12:46
